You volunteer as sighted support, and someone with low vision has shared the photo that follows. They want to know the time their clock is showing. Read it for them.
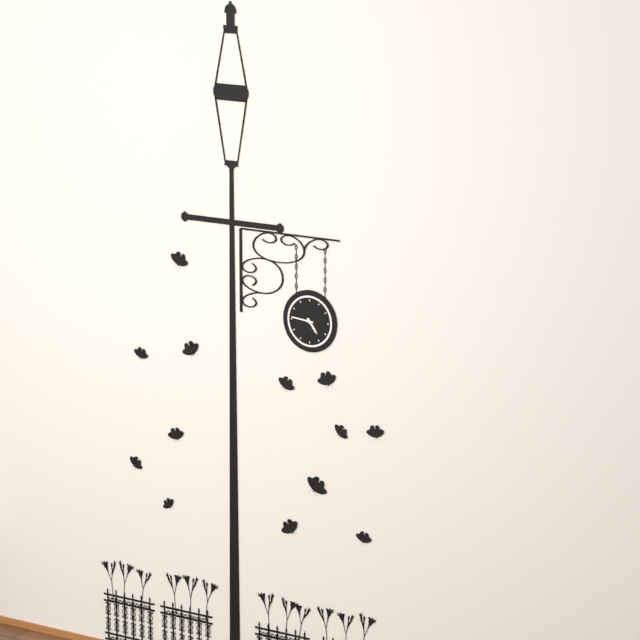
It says 4:46
